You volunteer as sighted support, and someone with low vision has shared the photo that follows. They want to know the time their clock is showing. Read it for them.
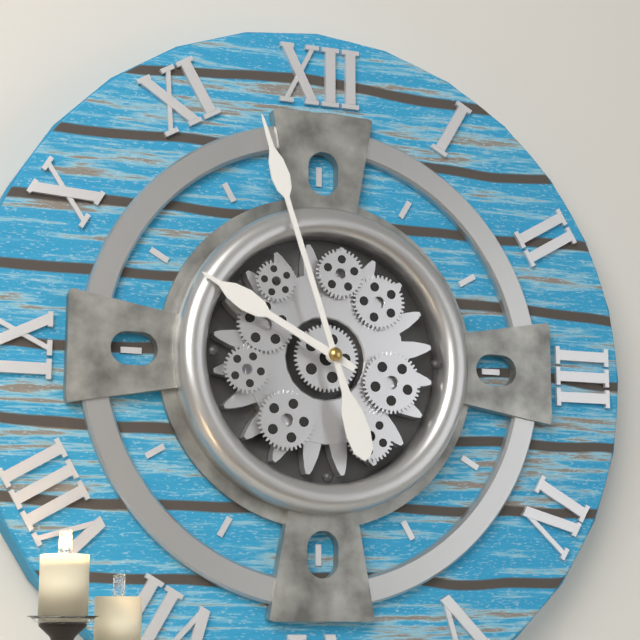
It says 9:57
